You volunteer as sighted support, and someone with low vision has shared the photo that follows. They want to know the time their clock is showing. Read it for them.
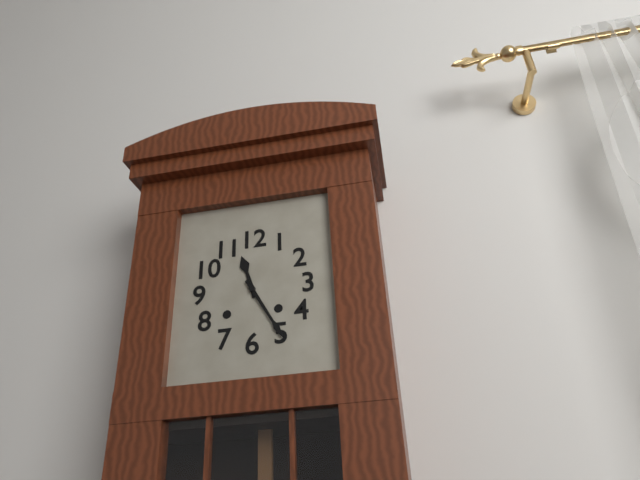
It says 11:25
